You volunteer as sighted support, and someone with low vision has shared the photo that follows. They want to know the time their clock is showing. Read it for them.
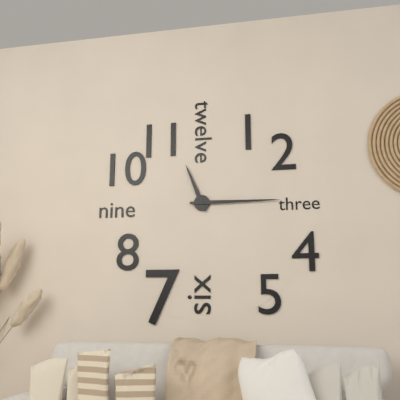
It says 11:15
